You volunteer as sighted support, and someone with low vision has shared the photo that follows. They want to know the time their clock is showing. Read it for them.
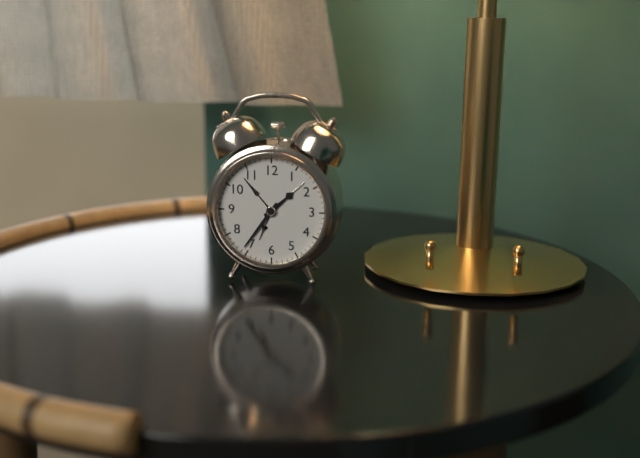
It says 1:36
